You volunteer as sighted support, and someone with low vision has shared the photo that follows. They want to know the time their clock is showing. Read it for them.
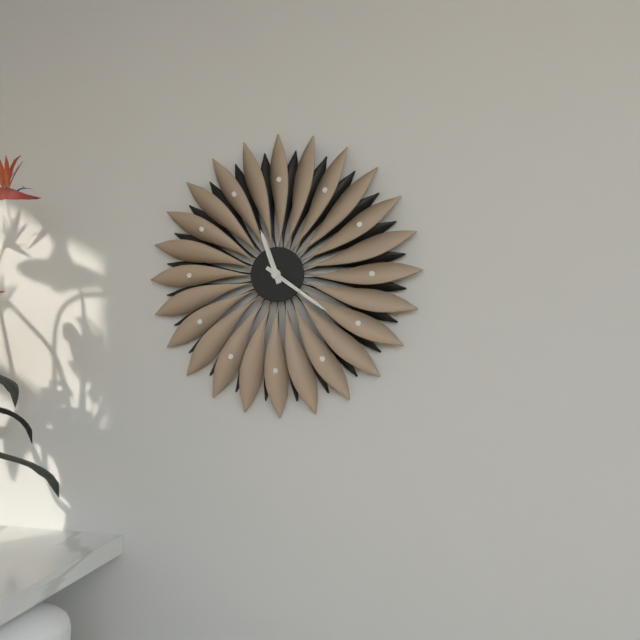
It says 11:21
